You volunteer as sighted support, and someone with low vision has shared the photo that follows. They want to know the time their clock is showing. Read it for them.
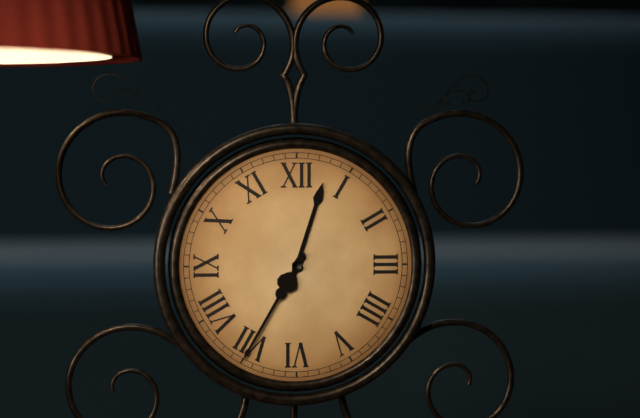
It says 12:35
